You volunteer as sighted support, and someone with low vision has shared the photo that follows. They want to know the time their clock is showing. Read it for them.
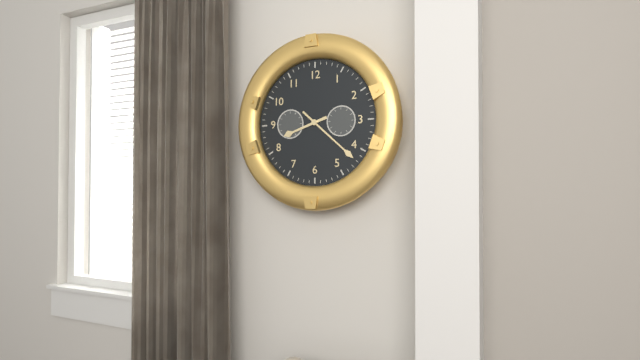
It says 8:22
